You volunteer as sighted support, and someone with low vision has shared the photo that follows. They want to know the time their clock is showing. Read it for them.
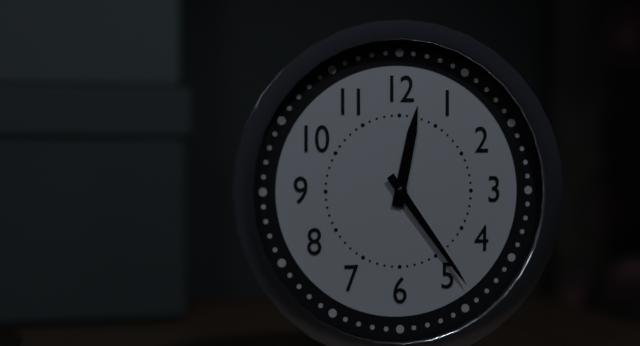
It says 12:24
